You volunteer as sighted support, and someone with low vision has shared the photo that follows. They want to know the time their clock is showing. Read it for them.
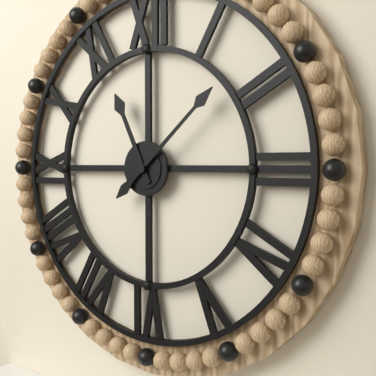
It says 11:08
